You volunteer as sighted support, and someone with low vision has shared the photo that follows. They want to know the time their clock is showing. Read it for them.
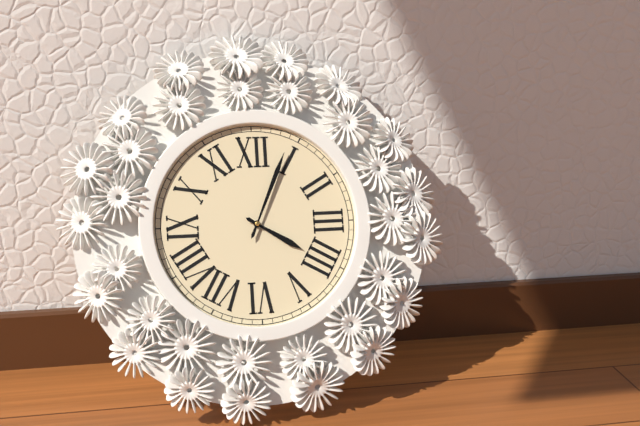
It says 4:04
